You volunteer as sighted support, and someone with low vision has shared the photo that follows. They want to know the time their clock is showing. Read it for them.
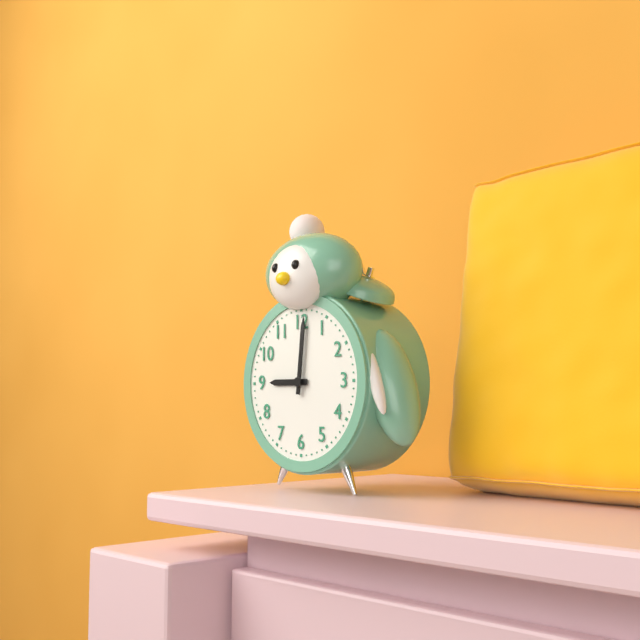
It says 9:01
